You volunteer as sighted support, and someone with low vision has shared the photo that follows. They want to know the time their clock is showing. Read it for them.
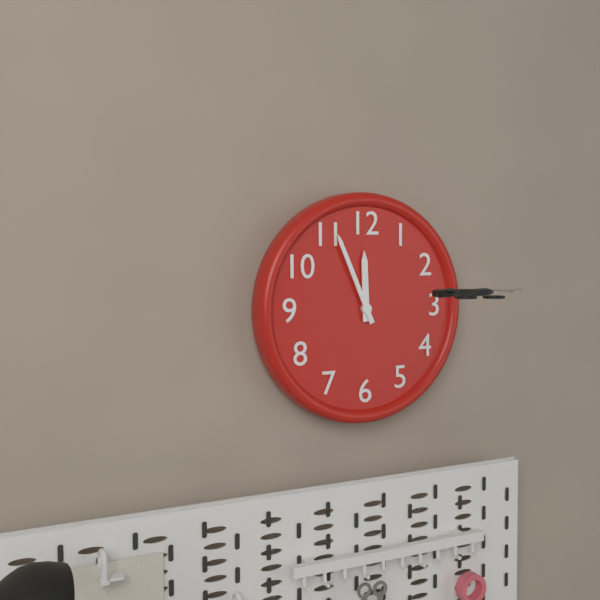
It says 11:56
